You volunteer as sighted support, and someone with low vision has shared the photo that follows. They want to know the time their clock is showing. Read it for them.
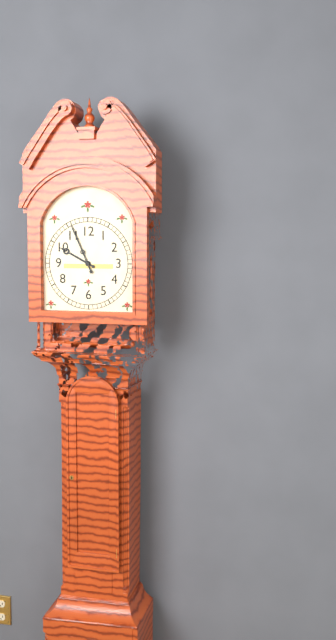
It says 9:56
